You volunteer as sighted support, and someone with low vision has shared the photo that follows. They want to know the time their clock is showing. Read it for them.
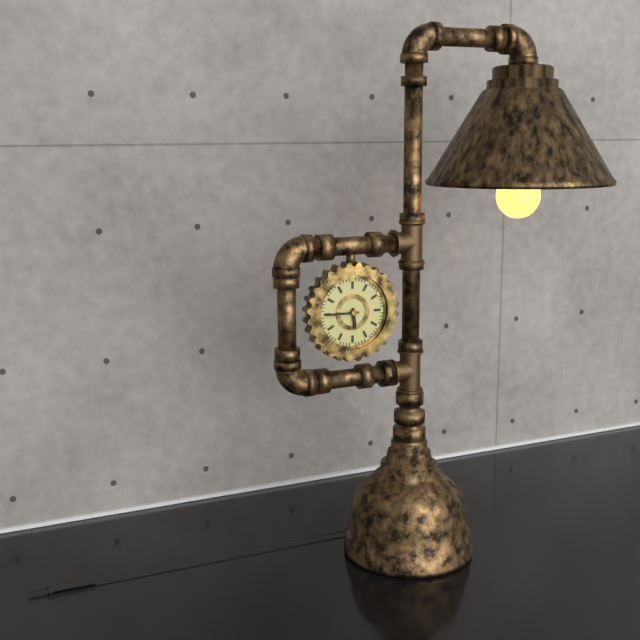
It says 5:45
